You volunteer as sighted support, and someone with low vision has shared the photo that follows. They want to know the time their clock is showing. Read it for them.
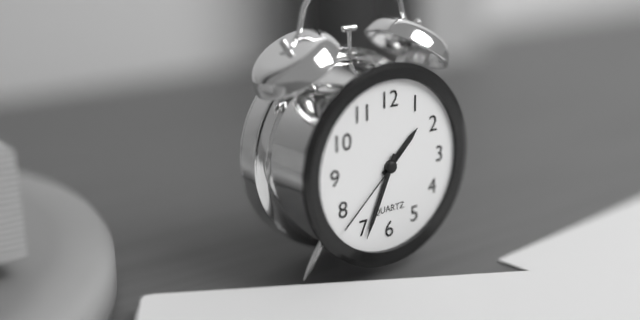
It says 1:34:38
